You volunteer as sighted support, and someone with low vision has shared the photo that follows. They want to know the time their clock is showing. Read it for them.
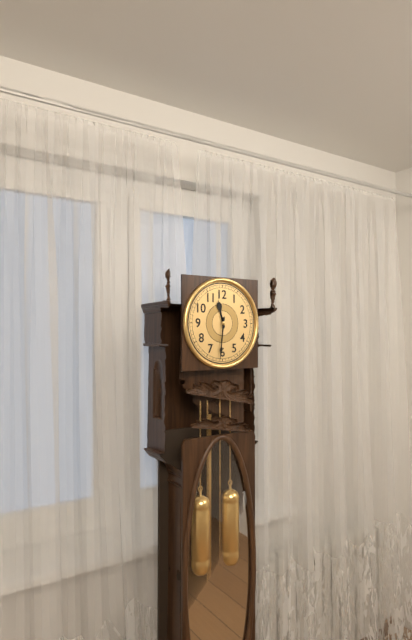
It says 11:31
